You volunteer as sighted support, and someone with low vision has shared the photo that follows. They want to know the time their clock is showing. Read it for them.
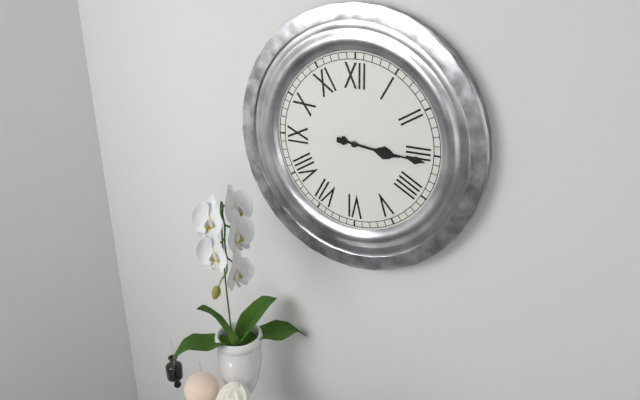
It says 3:16
